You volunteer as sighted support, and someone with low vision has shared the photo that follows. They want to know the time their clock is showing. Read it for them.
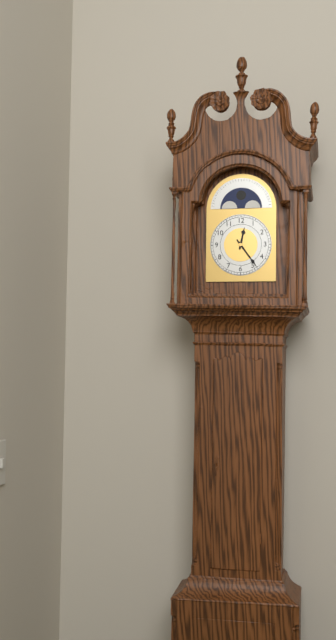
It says 12:24
